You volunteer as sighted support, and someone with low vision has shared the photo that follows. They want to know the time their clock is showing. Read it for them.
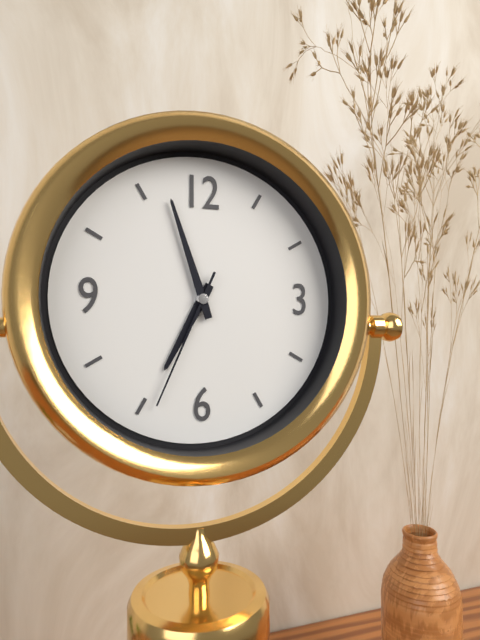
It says 6:57:34
